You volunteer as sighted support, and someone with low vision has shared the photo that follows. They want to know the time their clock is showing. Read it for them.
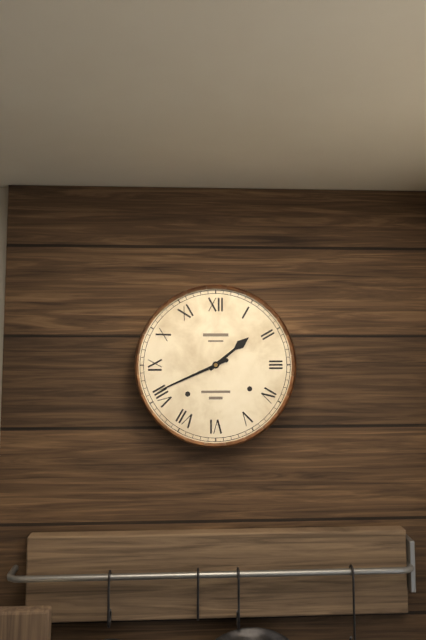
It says 1:41
